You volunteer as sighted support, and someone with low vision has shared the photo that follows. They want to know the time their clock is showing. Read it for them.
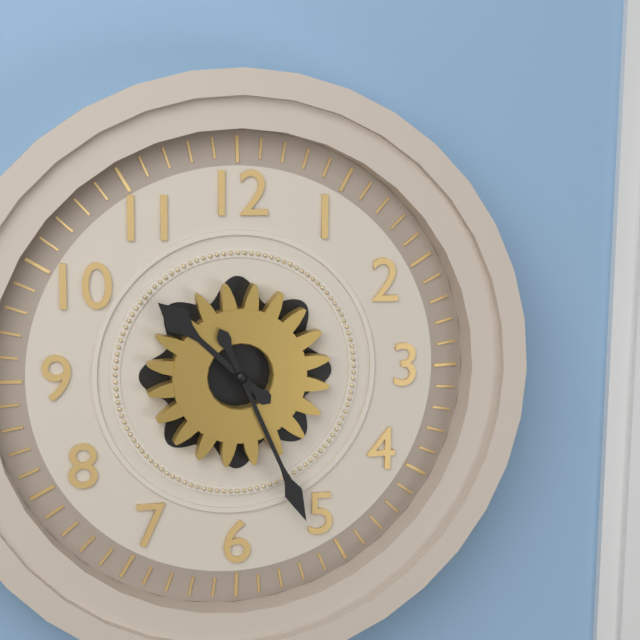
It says 10:26
